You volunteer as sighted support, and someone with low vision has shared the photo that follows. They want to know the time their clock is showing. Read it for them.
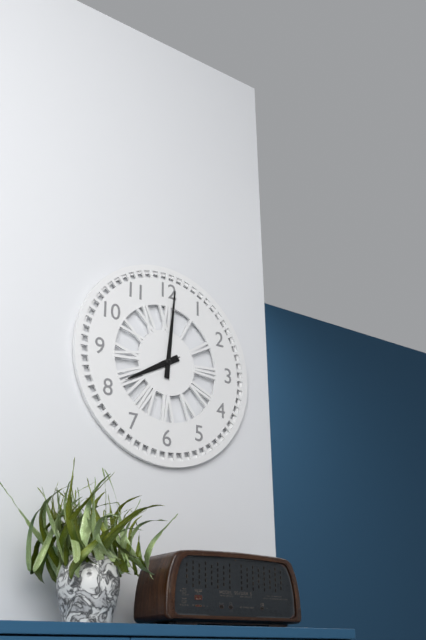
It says 8:01:40
